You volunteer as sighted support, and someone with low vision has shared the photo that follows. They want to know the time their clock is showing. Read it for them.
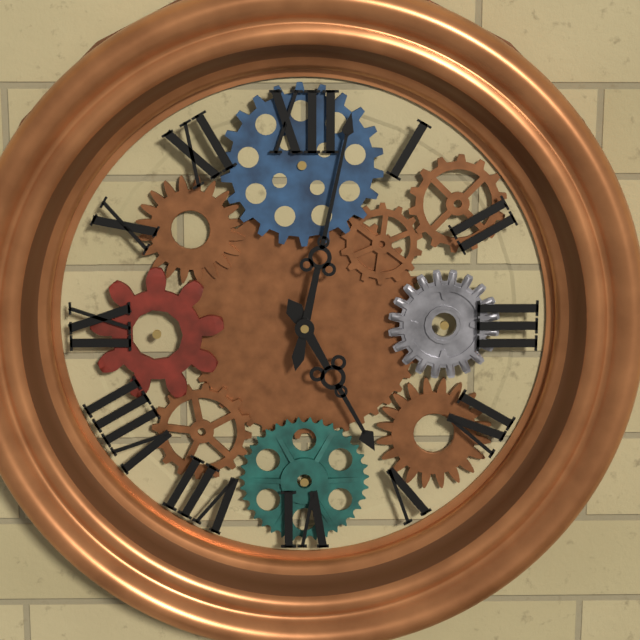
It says 5:02
